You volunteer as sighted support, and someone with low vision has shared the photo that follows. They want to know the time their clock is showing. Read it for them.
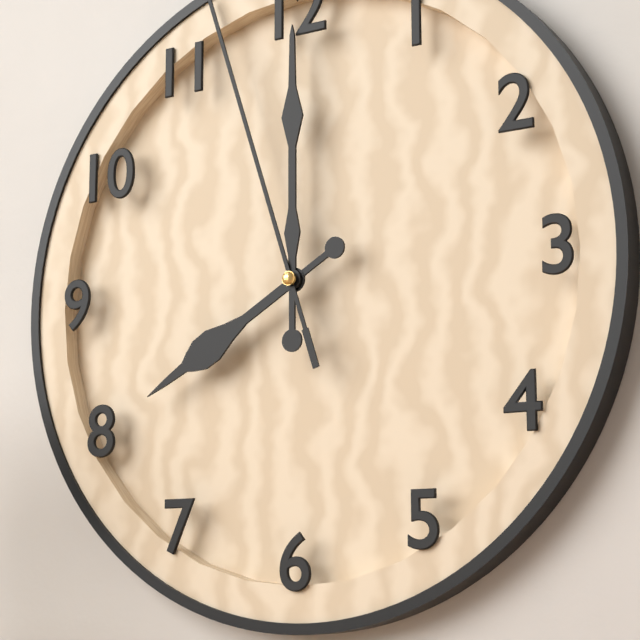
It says 8:00
